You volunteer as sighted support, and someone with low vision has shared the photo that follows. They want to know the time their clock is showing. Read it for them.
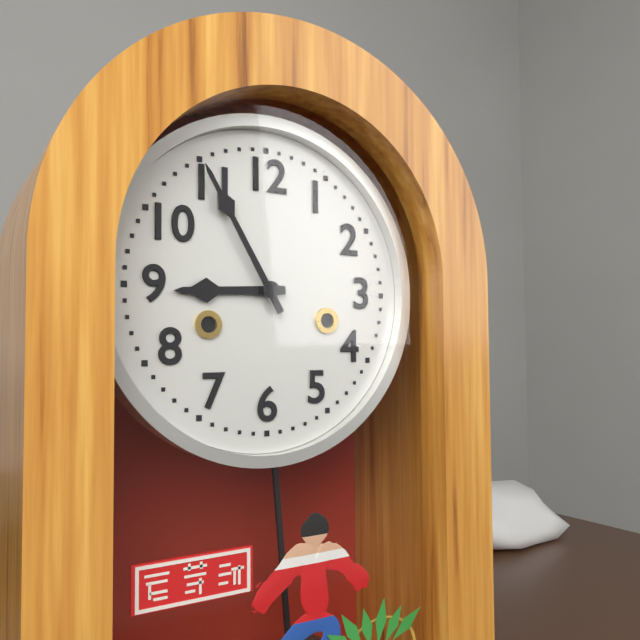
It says 8:55
